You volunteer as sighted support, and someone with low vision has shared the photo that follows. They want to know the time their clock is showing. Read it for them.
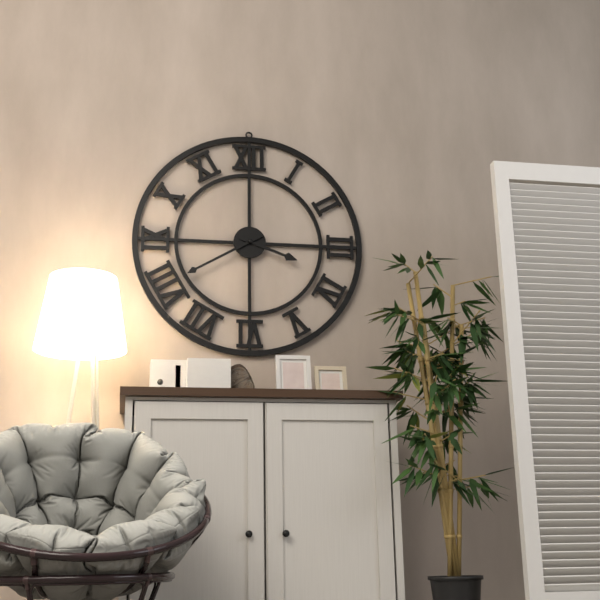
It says 3:40
